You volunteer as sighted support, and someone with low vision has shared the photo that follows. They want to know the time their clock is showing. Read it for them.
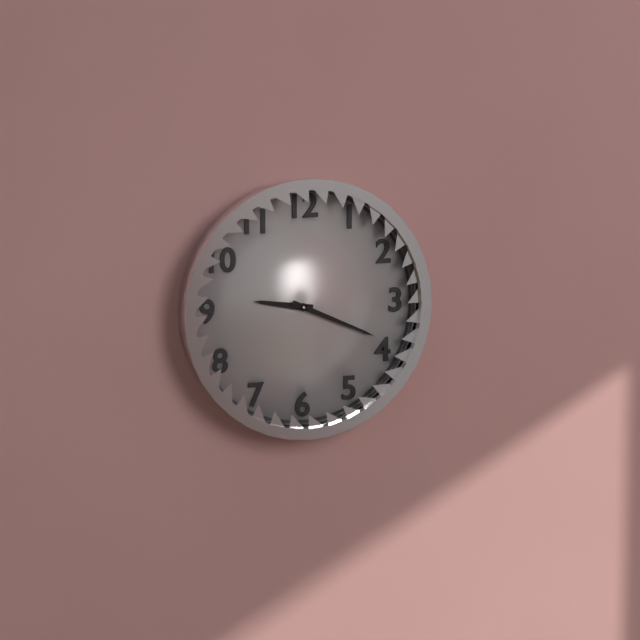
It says 9:19
